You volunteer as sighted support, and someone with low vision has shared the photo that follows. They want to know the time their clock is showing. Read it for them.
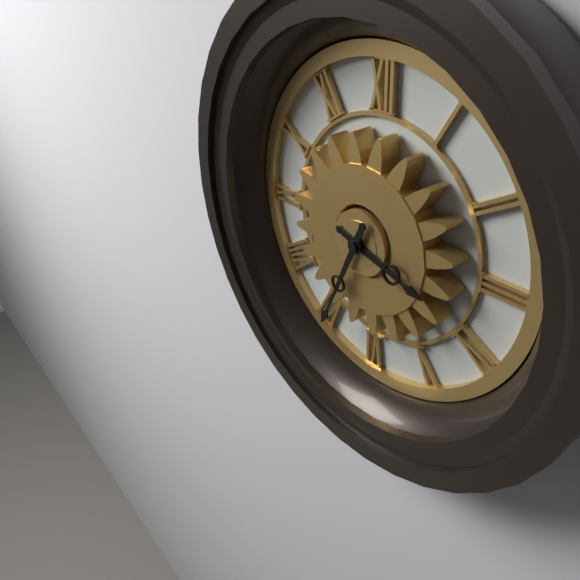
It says 3:34
